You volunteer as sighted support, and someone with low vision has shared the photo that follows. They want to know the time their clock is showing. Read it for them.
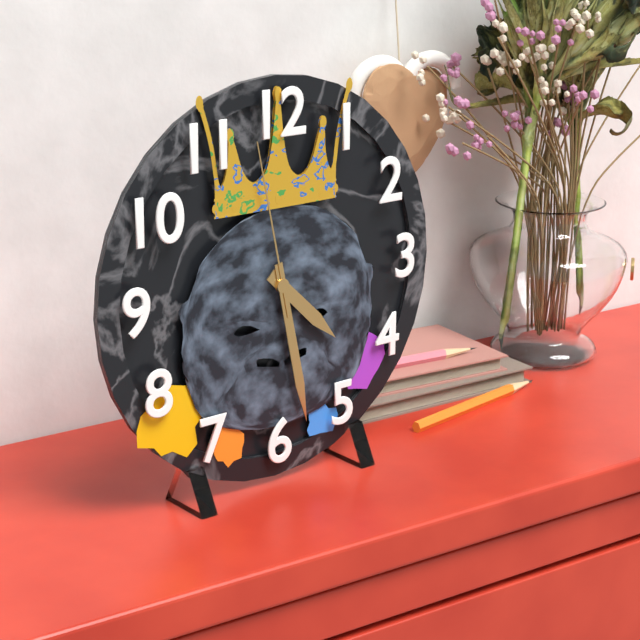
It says 4:28:58
